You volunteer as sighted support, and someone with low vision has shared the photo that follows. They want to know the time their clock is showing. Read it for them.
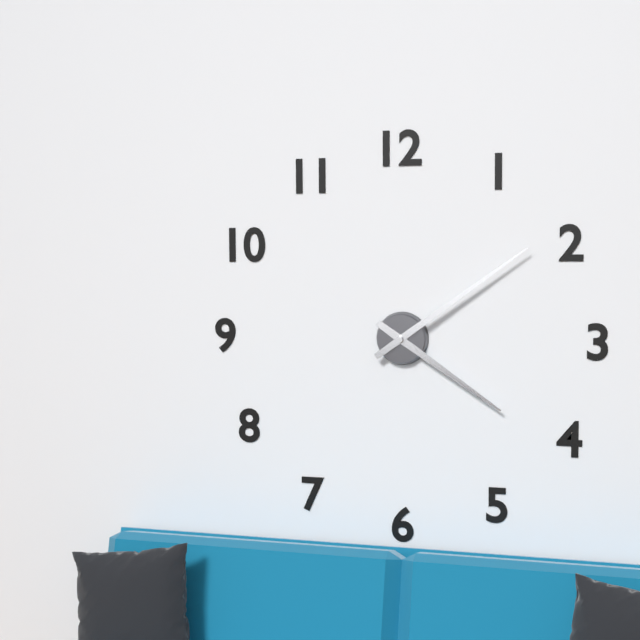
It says 4:09
